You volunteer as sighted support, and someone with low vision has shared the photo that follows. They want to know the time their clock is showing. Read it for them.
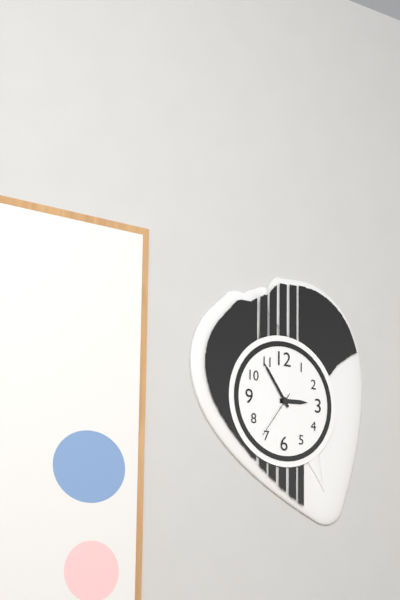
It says 2:54:36
